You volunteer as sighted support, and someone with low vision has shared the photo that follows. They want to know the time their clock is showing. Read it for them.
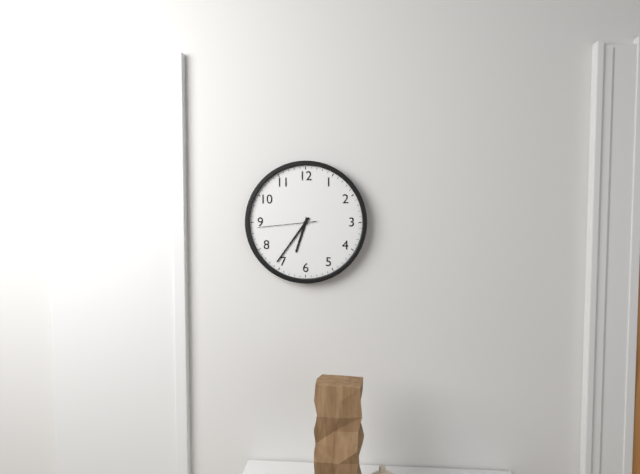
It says 6:36:44
